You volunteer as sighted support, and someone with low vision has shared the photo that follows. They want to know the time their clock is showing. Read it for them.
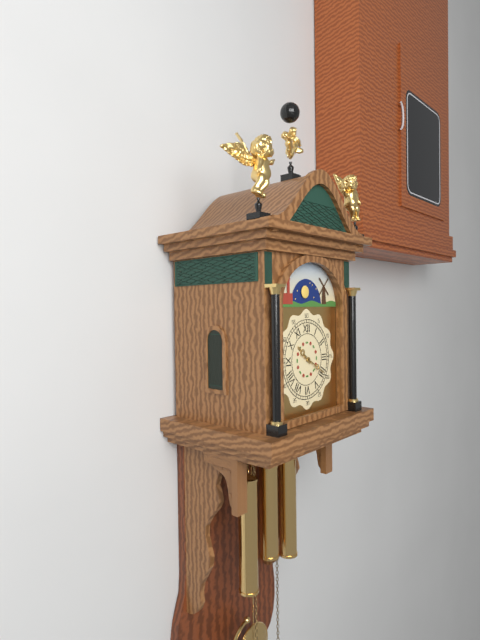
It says 10:20
